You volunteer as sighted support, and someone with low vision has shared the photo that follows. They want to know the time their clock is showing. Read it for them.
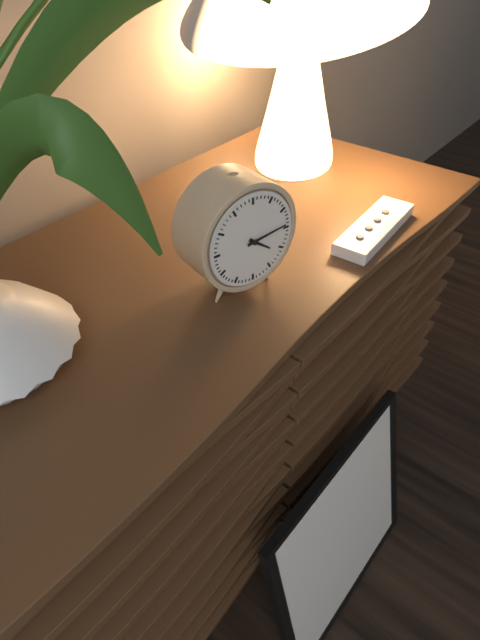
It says 4:14
